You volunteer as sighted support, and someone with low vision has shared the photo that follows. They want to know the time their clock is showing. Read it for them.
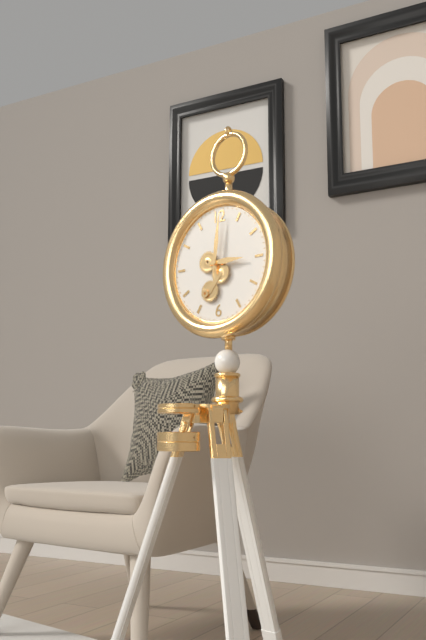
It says 3:01
